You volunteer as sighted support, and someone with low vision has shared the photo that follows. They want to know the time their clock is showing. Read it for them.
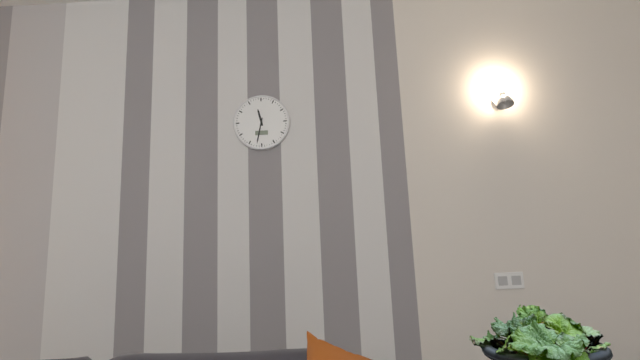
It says 11:32
